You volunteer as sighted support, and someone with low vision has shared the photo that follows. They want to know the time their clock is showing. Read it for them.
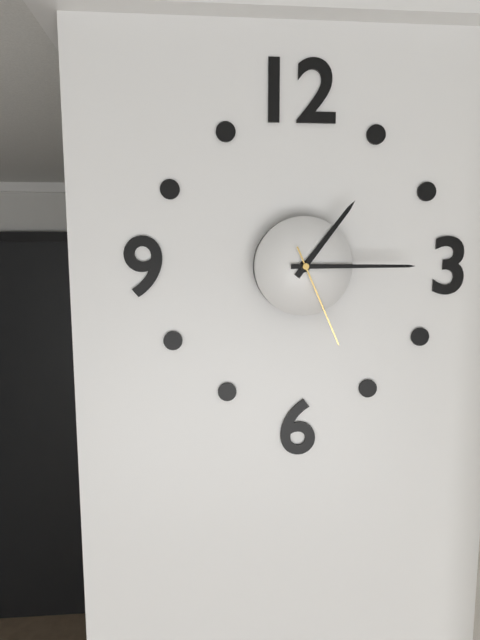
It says 1:15:26
